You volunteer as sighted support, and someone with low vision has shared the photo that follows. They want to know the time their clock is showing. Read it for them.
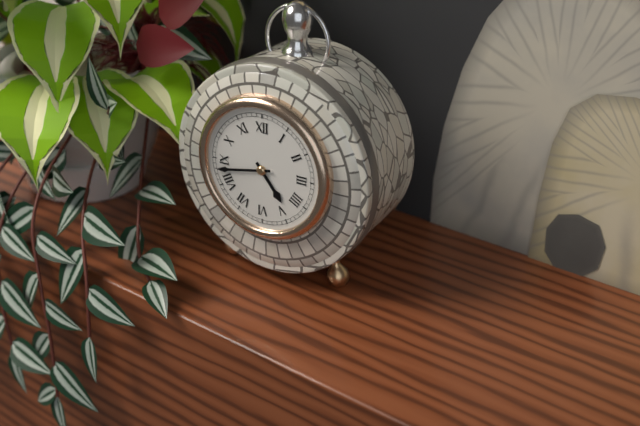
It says 4:43
